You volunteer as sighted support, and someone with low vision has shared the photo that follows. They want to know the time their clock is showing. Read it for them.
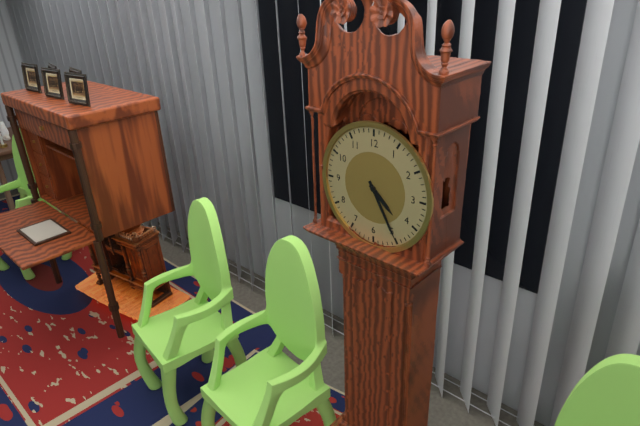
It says 4:25
